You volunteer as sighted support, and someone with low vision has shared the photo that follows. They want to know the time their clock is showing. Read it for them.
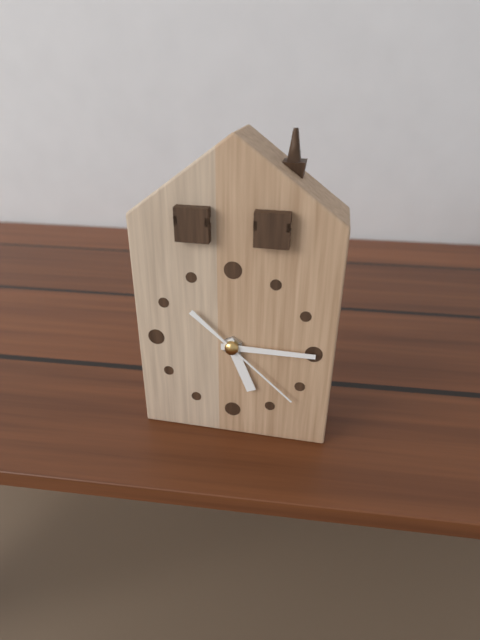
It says 5:15:22
